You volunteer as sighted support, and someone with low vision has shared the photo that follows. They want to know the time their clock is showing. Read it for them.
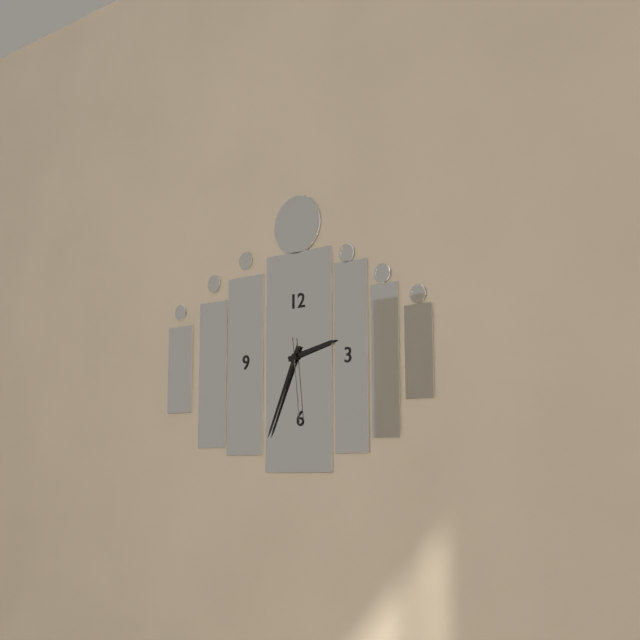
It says 2:34:29
